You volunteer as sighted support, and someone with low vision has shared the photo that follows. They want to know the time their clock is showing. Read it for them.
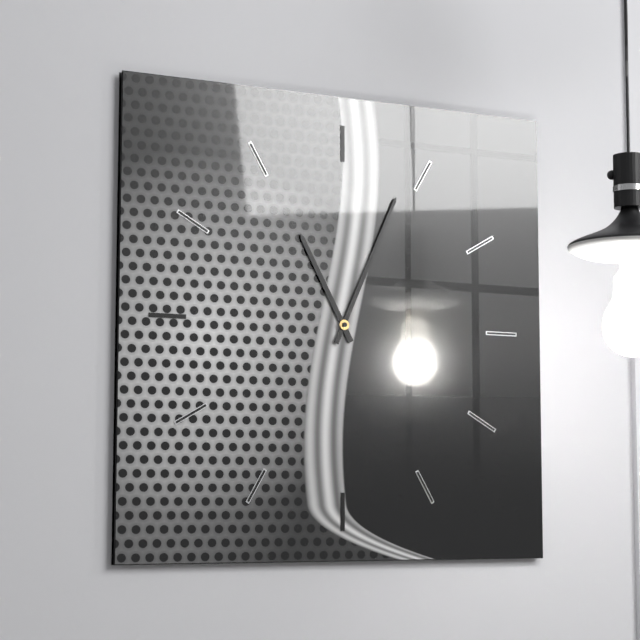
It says 11:04
